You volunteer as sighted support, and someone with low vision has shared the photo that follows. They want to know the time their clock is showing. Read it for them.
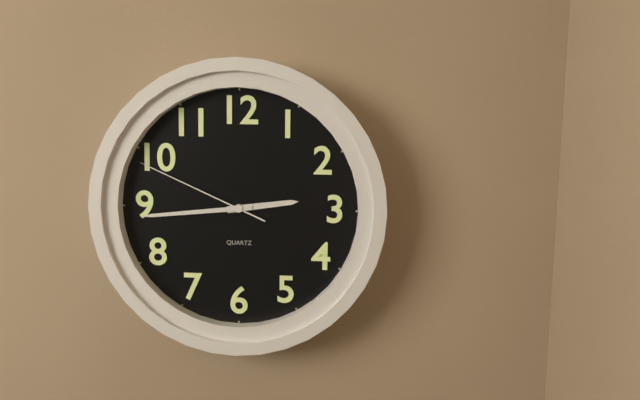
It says 2:44:49
